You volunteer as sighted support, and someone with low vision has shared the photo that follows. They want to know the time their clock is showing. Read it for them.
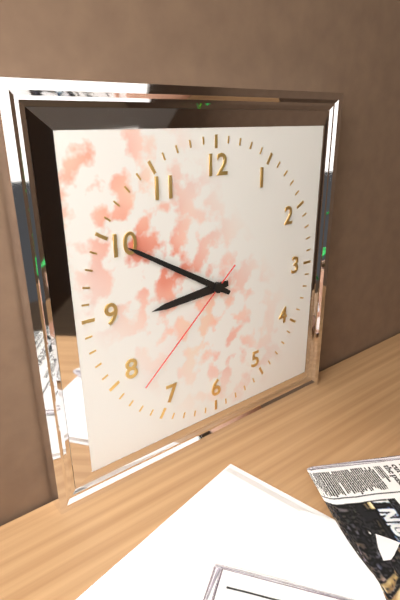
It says 8:50:38
